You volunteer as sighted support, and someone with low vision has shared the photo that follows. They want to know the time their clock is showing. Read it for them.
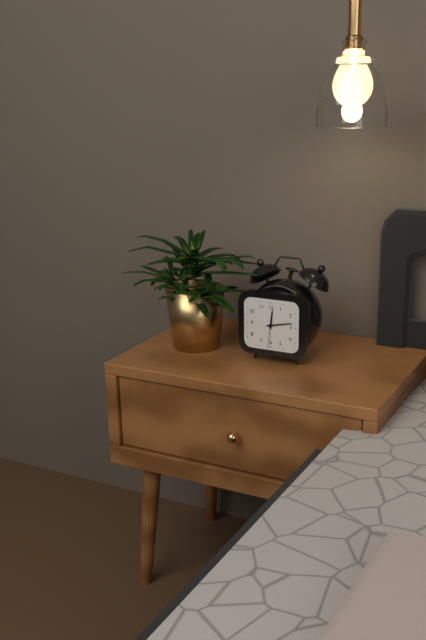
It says 12:13
